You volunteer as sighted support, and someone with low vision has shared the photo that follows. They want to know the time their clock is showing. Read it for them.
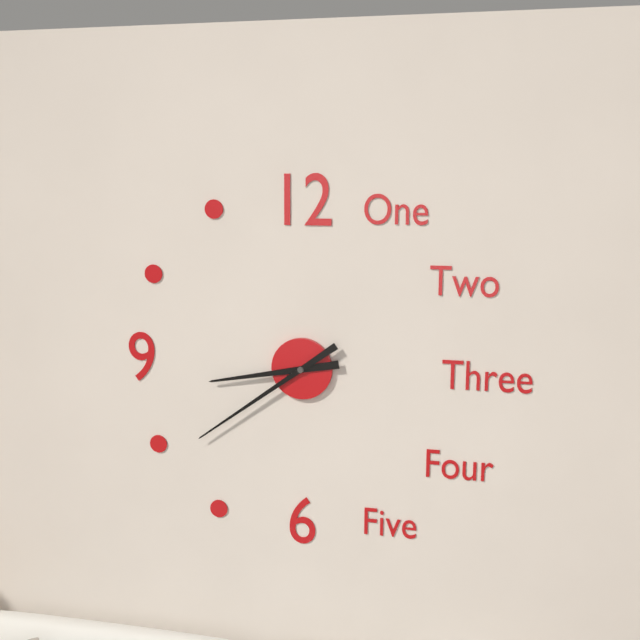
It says 8:39
